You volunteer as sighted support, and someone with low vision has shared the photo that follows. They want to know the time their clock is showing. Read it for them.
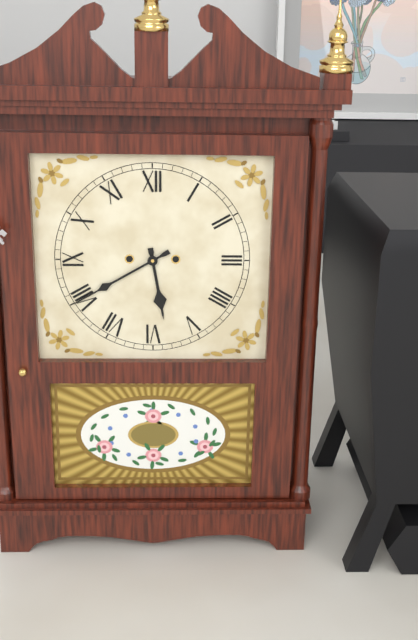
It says 5:40
